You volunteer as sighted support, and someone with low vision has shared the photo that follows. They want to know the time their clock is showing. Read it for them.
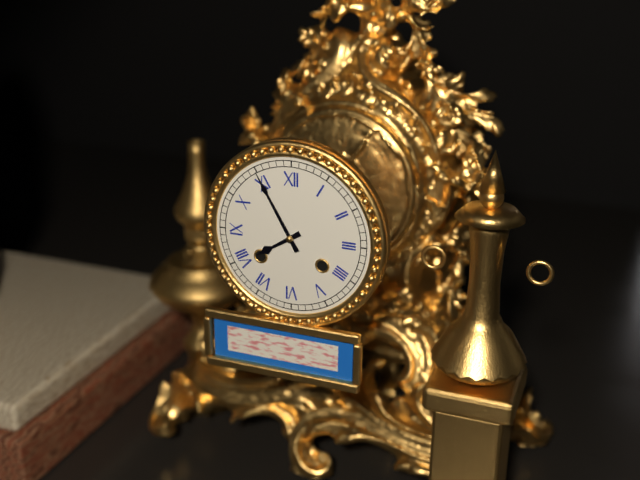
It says 7:55
